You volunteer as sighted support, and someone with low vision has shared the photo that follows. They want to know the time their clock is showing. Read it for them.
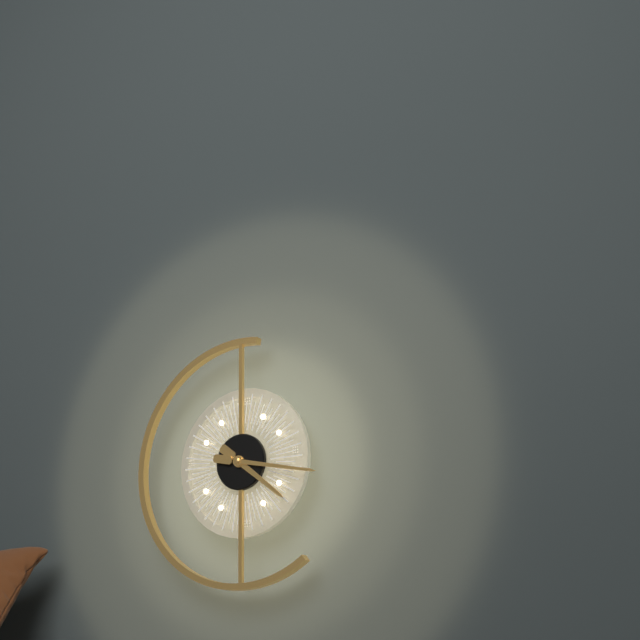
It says 4:17
